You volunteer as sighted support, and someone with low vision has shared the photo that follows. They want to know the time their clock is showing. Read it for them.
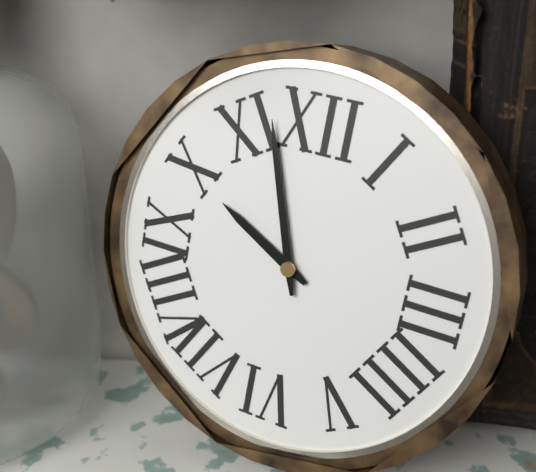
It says 9:57
